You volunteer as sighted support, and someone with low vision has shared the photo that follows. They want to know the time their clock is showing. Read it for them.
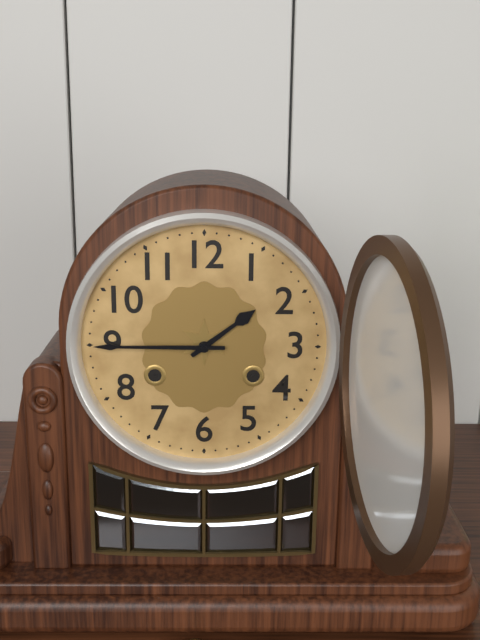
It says 1:45
